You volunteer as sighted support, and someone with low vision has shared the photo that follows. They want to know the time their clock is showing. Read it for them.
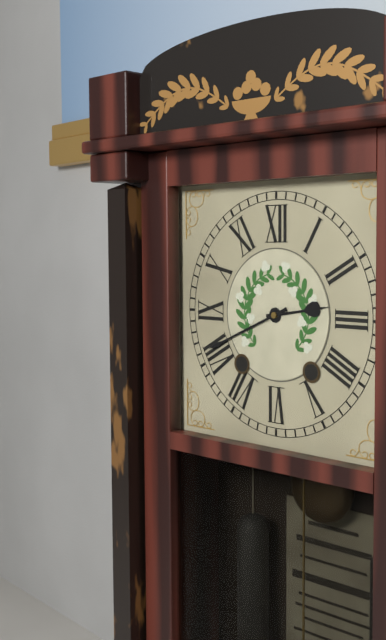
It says 2:41
